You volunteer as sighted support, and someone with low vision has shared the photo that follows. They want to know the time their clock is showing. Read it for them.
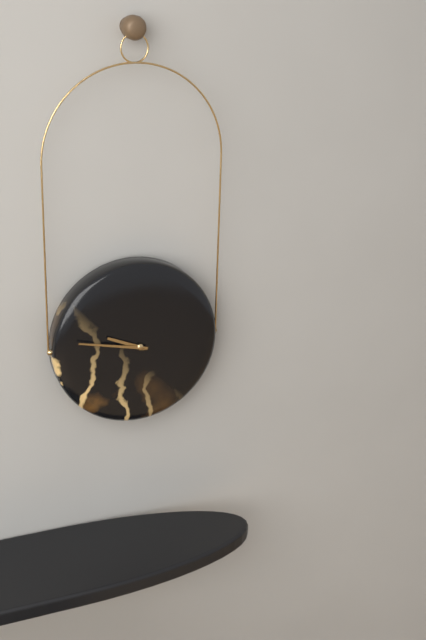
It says 9:47
